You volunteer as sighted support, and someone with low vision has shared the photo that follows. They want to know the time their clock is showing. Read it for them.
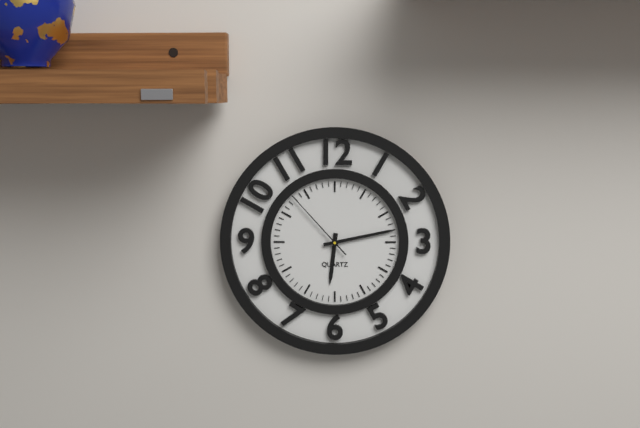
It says 6:13:53
